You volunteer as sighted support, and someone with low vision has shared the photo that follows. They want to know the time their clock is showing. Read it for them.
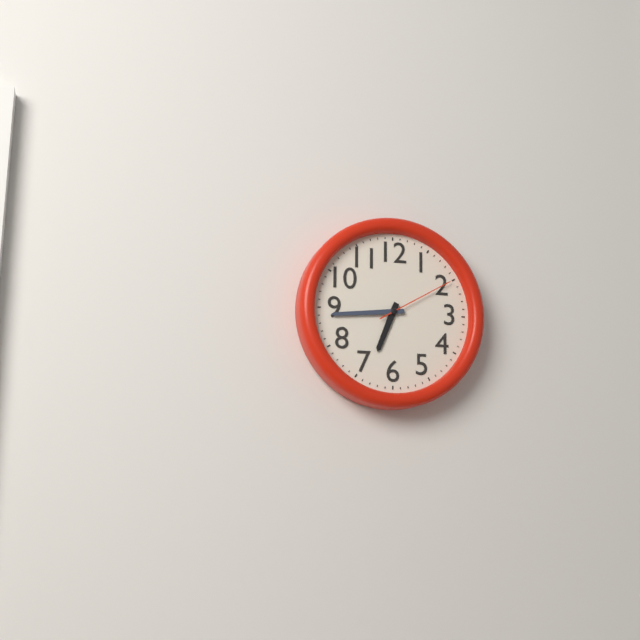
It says 6:44:10
